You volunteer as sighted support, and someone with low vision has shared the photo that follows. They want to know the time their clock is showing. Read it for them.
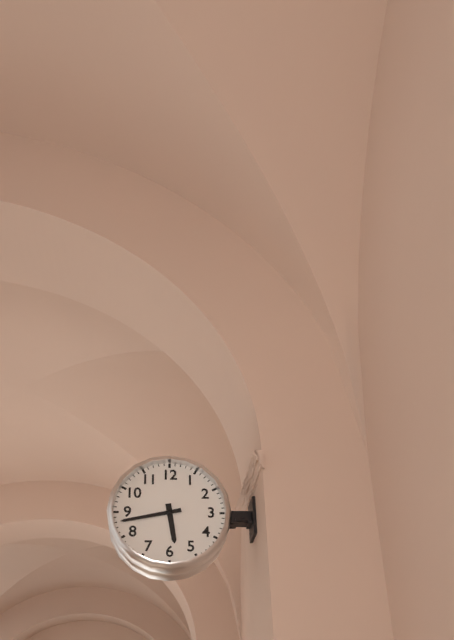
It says 5:43
